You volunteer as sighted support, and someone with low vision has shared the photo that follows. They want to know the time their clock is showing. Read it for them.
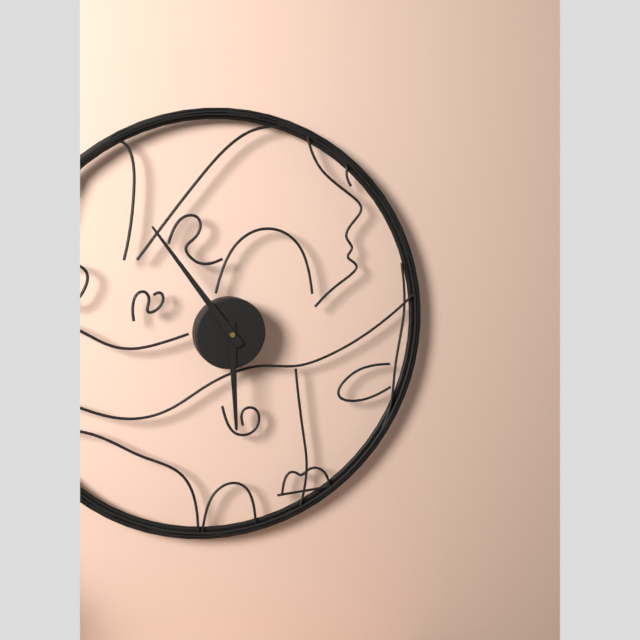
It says 5:54
